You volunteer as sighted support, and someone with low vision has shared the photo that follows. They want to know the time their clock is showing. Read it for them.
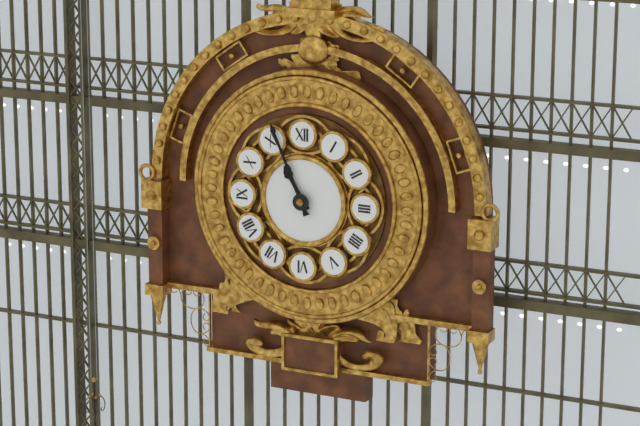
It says 10:56
